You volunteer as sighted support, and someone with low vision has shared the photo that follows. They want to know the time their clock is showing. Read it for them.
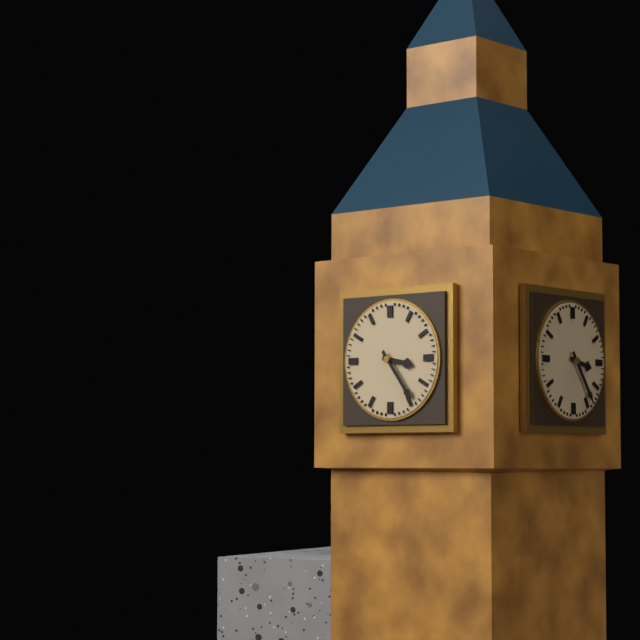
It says 3:24
